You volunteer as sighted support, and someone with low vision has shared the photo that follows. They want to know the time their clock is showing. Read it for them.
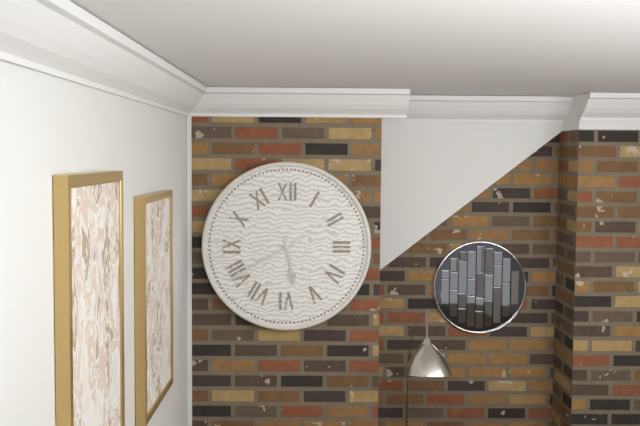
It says 5:40
